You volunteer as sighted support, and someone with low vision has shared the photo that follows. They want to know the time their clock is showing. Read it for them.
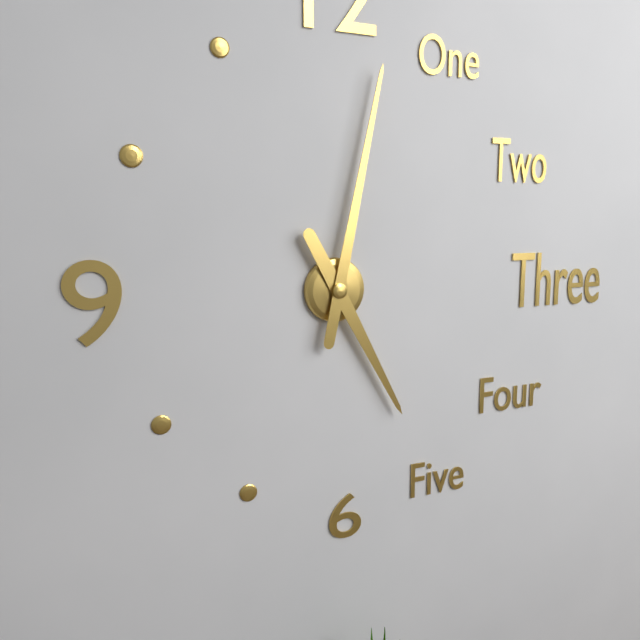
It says 5:02
